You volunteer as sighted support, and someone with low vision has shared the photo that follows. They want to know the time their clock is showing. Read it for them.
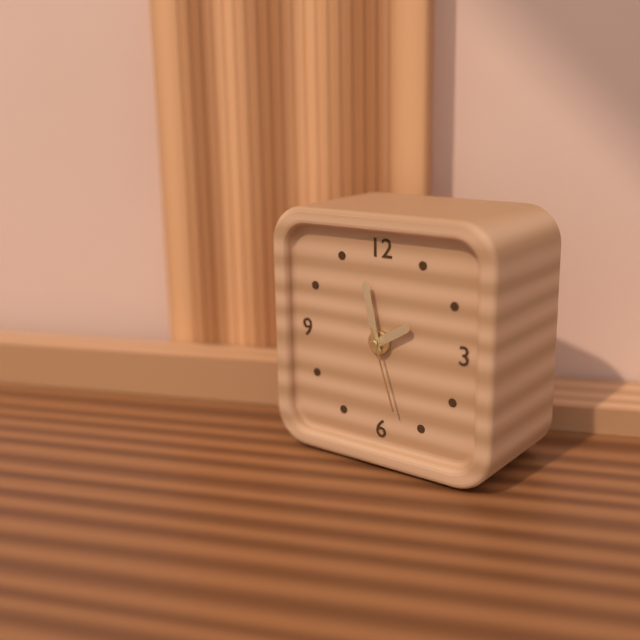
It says 1:58:27
